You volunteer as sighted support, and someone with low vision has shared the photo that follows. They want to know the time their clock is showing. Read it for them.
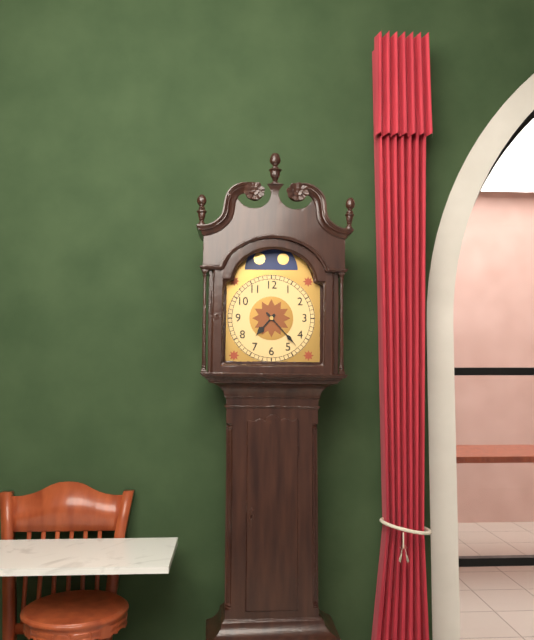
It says 7:23
